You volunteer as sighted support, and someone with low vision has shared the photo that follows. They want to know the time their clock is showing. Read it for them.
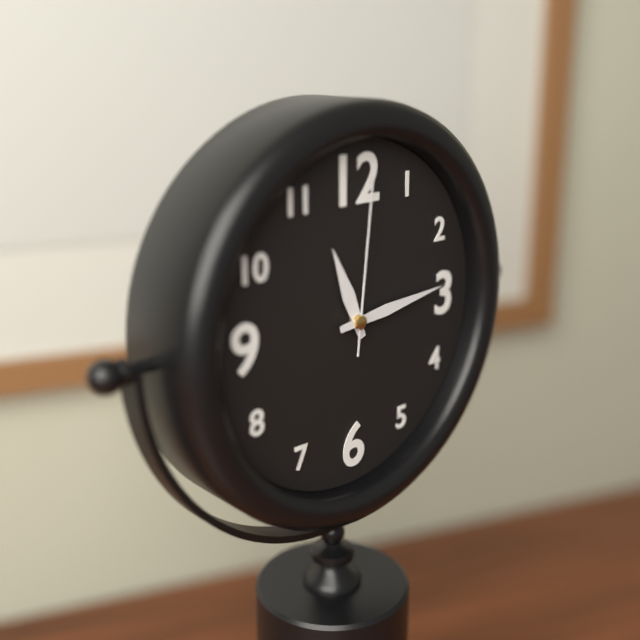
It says 11:14:01
